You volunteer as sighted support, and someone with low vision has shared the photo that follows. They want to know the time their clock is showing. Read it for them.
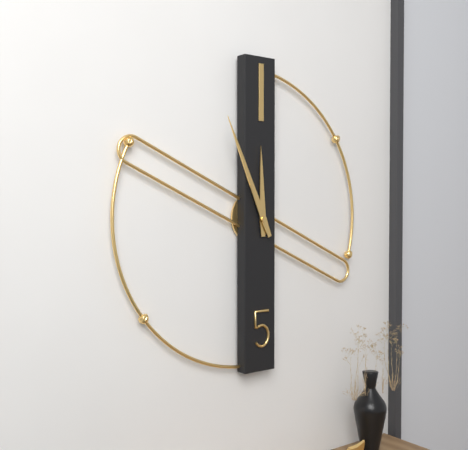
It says 11:56
